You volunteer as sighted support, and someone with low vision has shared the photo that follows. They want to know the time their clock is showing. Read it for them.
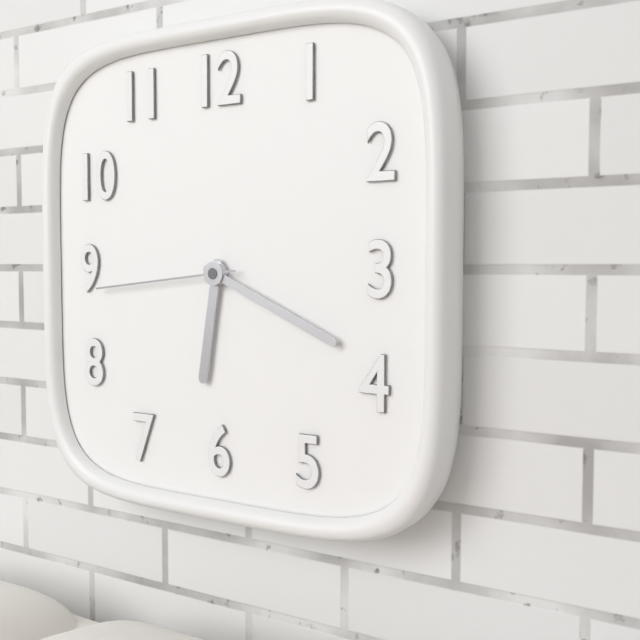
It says 6:19:44
